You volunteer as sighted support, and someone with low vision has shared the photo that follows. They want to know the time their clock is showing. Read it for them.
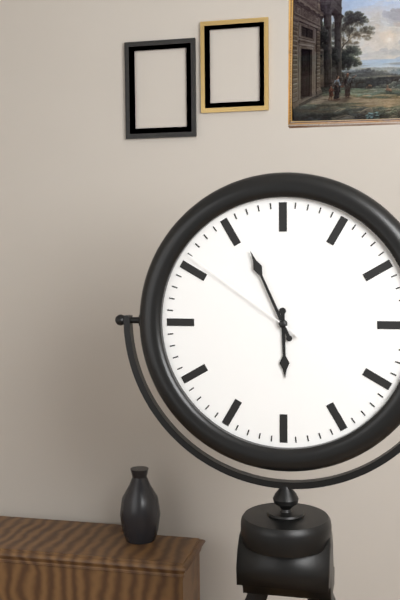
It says 5:56:51
